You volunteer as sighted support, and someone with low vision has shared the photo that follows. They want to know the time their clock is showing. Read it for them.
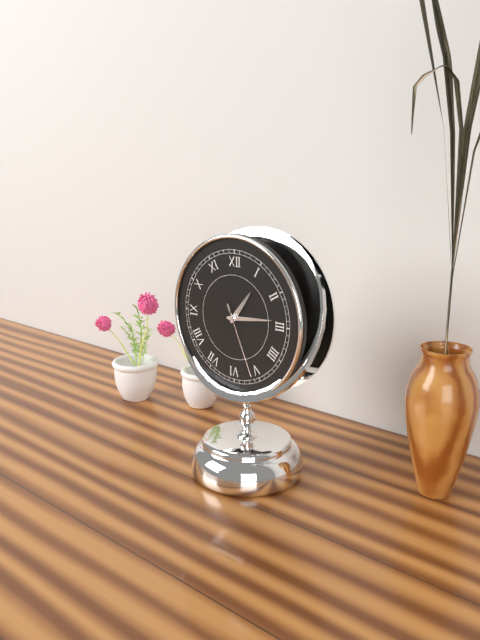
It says 1:14:26
